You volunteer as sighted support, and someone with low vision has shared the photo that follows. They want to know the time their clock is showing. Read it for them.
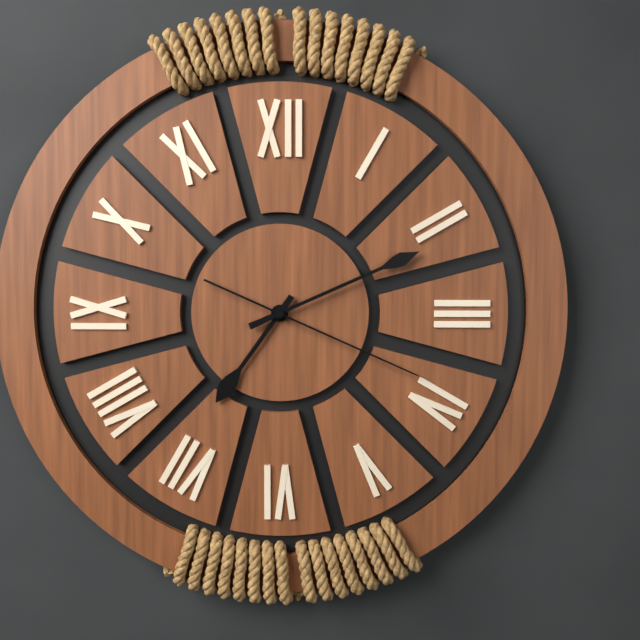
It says 7:11:19
